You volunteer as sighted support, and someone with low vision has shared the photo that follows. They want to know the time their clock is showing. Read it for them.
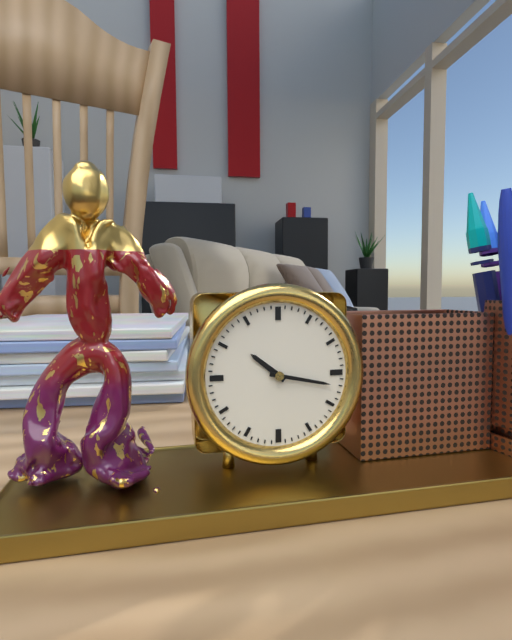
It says 10:17
